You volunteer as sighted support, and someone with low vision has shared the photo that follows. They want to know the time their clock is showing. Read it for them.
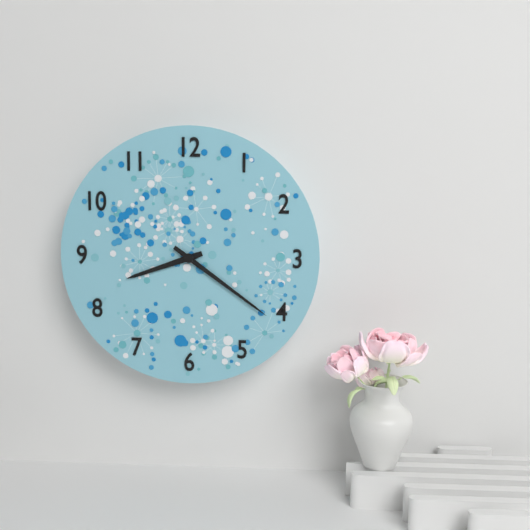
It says 8:21
